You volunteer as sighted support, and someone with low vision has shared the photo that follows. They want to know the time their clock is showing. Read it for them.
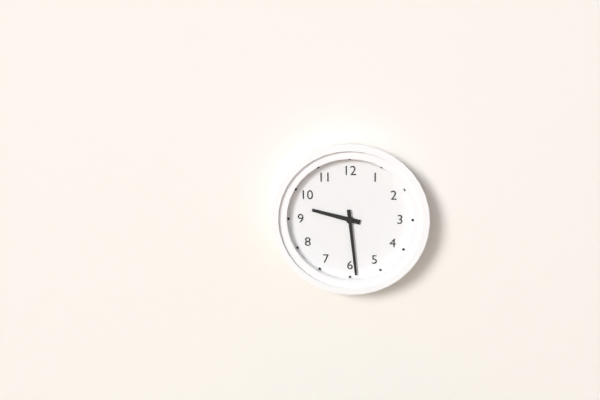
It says 9:29
